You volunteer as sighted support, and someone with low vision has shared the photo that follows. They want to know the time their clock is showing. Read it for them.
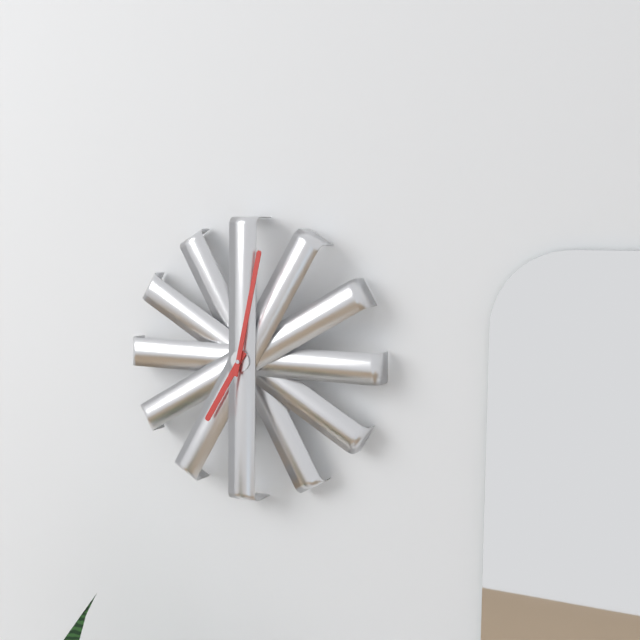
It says 7:02
